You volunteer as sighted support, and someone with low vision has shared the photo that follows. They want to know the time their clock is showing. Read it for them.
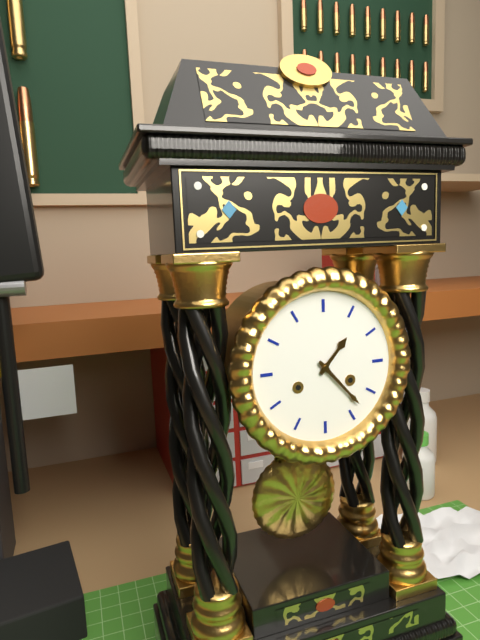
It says 1:23
